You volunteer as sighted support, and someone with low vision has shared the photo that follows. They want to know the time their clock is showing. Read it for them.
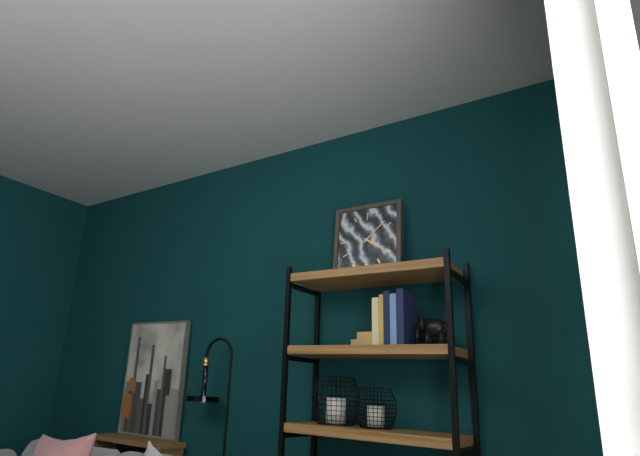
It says 4:08
